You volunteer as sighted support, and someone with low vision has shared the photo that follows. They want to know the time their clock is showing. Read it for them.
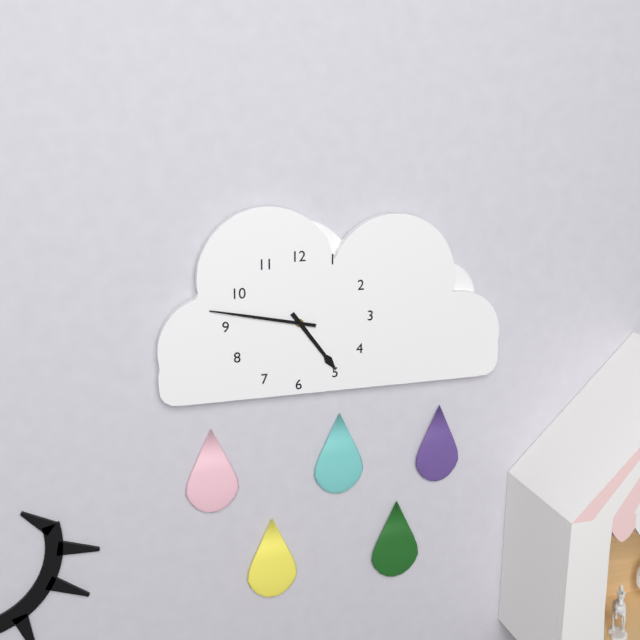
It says 4:47
